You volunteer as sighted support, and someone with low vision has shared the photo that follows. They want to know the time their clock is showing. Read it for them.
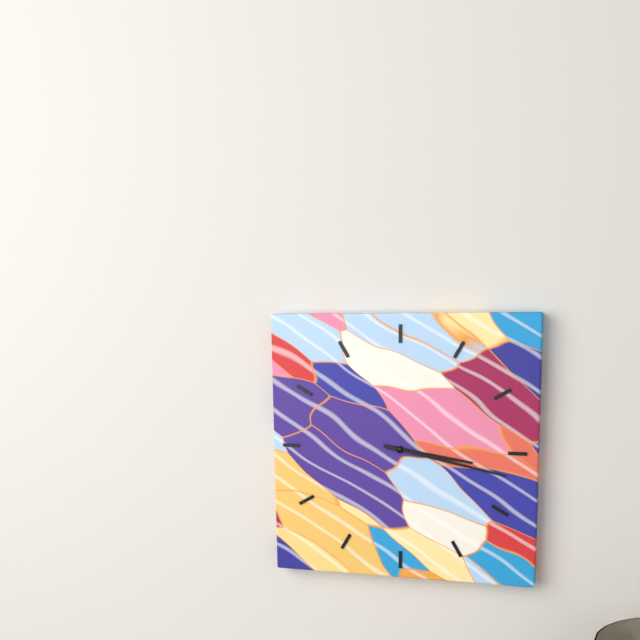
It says 3:17
